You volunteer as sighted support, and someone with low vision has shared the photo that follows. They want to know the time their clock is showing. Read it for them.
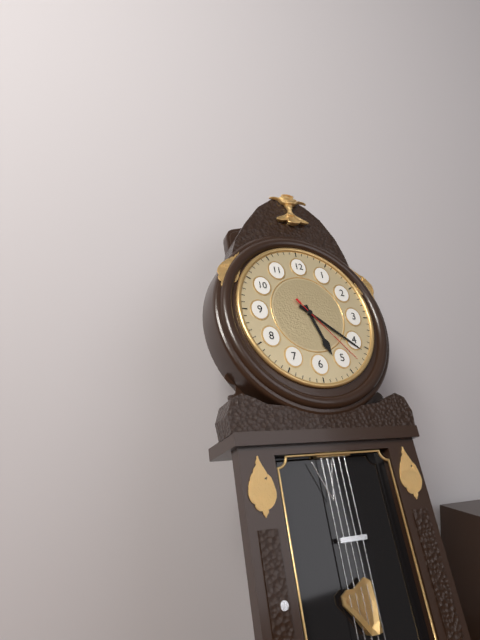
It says 5:21:23
